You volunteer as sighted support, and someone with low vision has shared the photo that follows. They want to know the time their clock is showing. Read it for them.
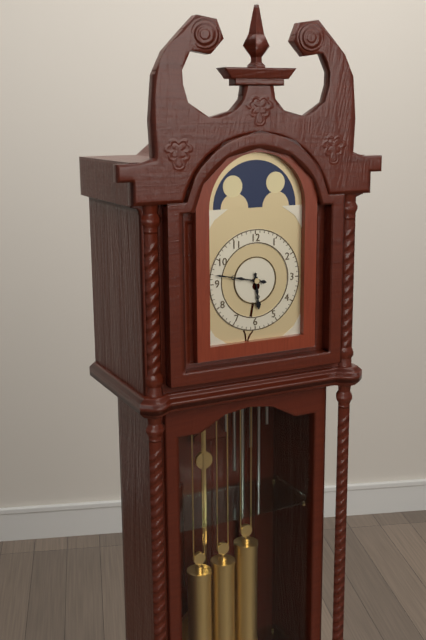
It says 5:47
